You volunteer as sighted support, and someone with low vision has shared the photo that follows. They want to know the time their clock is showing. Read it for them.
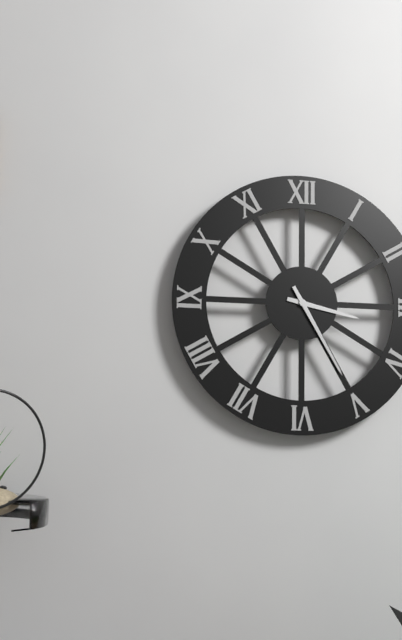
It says 3:25
